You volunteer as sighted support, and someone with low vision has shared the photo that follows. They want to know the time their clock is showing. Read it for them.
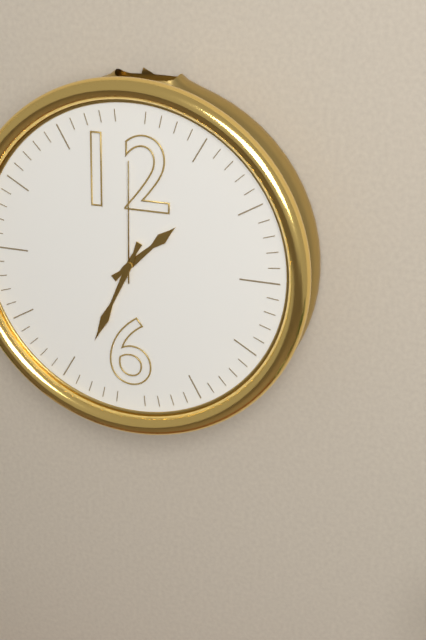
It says 1:34:00
